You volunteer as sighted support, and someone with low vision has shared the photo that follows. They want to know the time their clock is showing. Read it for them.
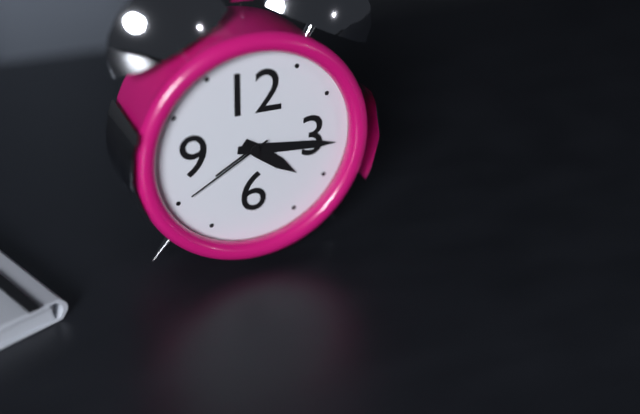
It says 4:16:40
